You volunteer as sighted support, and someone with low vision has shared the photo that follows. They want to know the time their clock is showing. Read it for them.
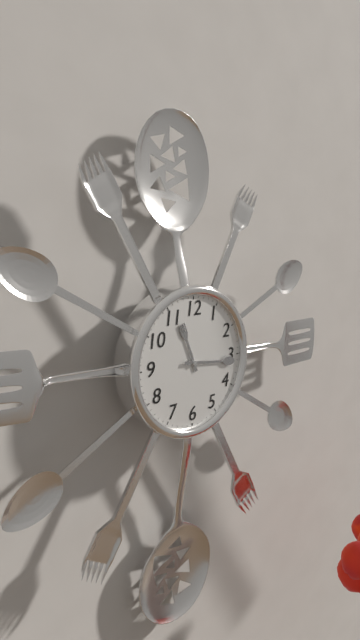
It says 11:16
